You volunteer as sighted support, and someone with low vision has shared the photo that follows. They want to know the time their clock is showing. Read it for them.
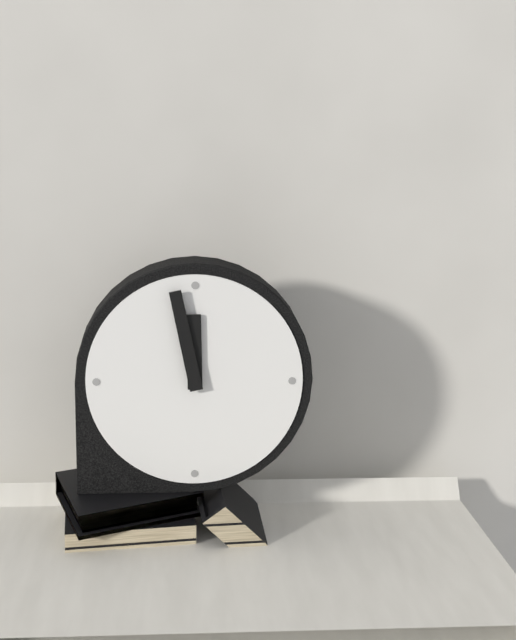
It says 11:58
